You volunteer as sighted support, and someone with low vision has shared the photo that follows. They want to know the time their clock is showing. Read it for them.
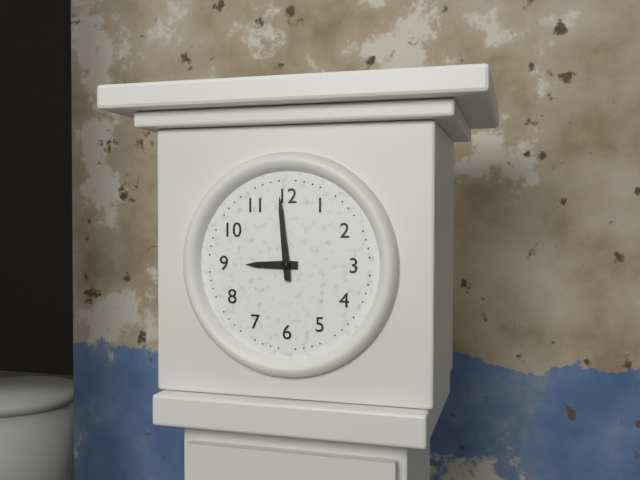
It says 8:59
